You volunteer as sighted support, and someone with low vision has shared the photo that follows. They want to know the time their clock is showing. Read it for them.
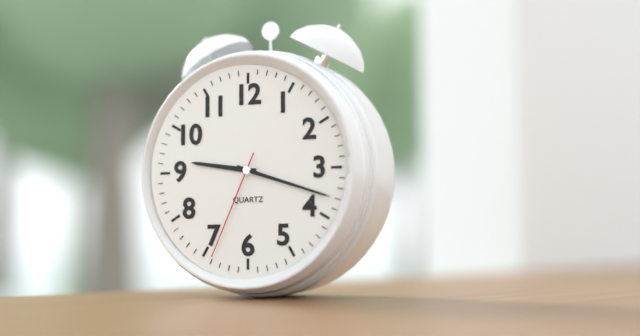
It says 9:18:34
